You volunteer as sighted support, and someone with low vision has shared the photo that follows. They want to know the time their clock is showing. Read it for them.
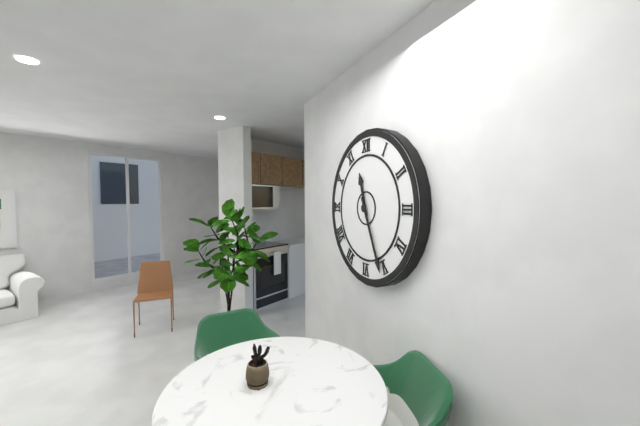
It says 11:26
